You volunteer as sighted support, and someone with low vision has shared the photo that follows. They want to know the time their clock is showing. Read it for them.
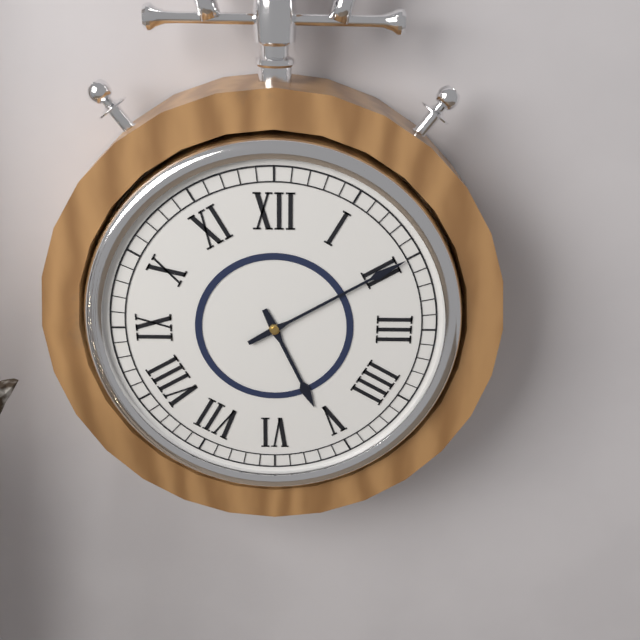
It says 5:10
